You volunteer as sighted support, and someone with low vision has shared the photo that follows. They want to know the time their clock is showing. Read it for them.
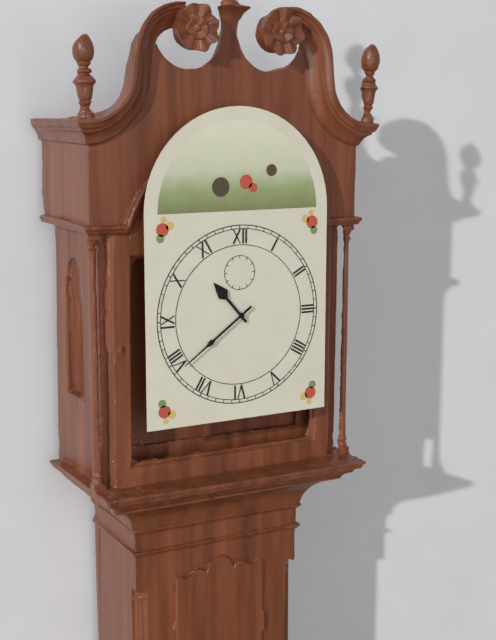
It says 10:39
